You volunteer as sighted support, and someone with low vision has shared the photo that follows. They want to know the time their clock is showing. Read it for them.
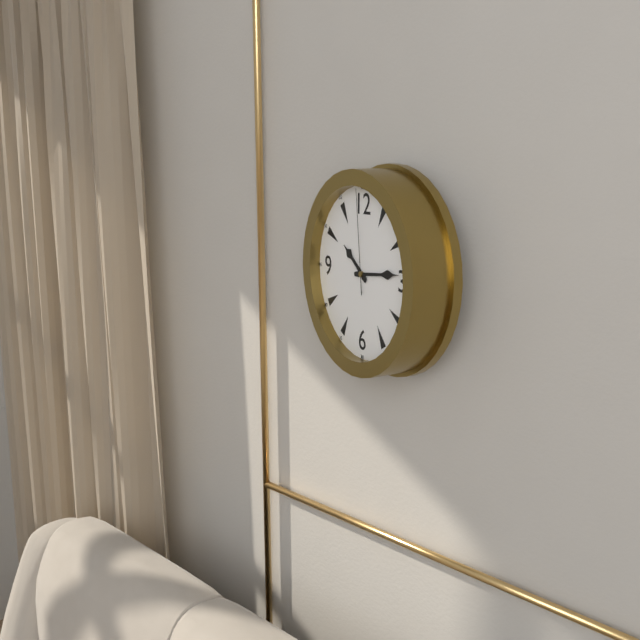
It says 10:14:59
